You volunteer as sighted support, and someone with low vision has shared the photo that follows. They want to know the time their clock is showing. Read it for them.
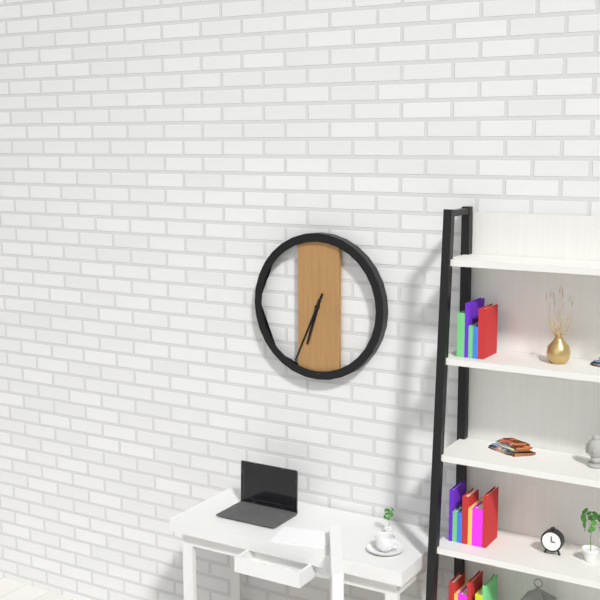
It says 6:34
